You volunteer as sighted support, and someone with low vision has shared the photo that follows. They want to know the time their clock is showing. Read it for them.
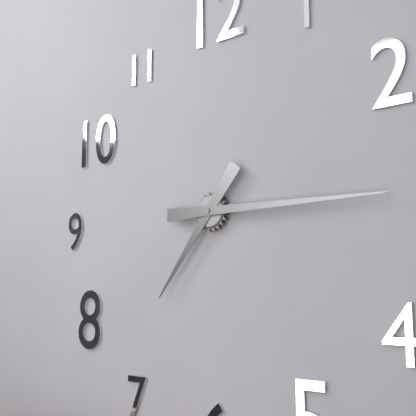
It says 7:15
